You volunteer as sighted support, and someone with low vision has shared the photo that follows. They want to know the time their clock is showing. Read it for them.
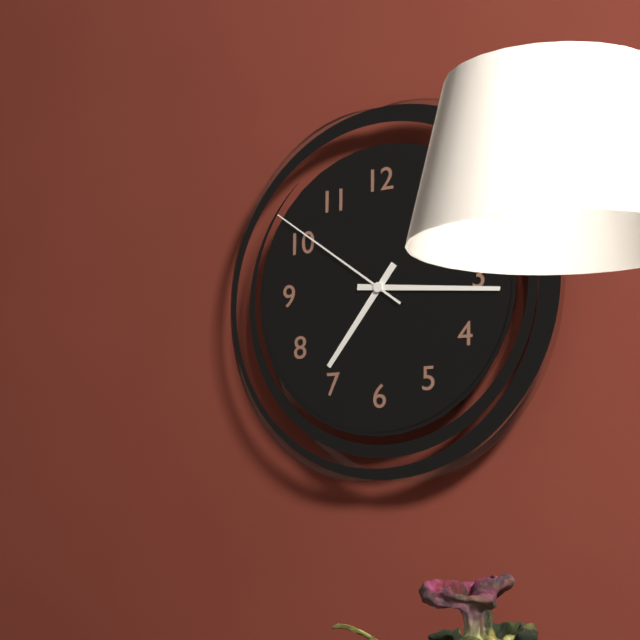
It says 7:16:51
